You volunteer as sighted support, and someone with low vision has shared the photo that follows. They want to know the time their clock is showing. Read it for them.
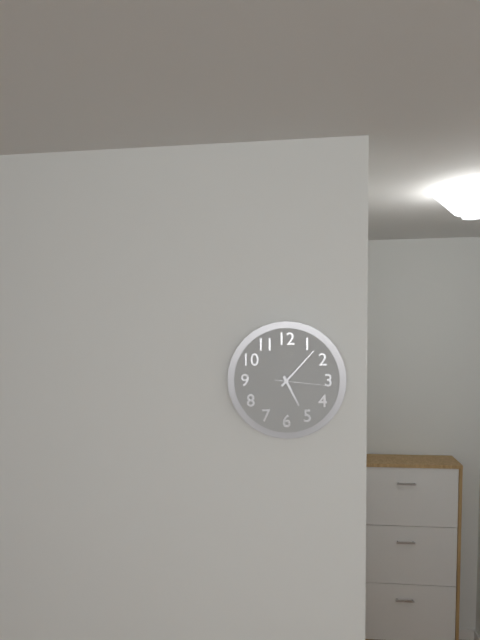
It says 5:07:16
